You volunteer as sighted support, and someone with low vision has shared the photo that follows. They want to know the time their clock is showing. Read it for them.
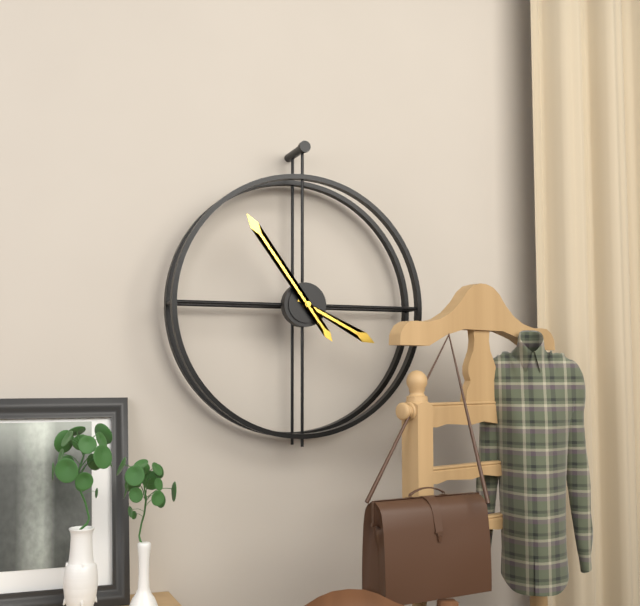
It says 3:54
